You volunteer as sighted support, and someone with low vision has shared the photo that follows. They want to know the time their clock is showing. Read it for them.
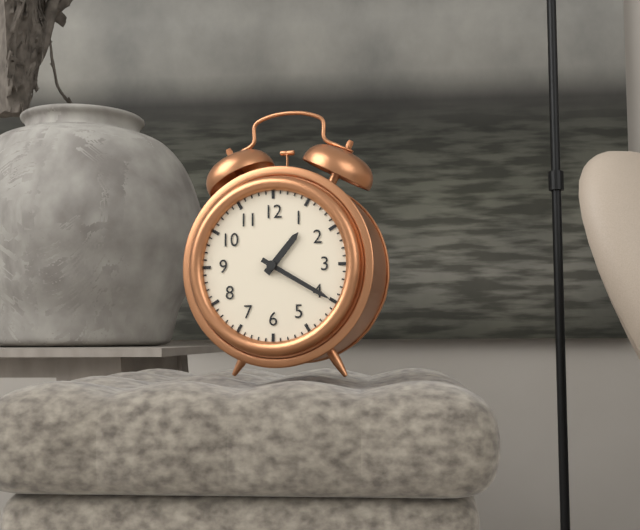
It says 1:20
